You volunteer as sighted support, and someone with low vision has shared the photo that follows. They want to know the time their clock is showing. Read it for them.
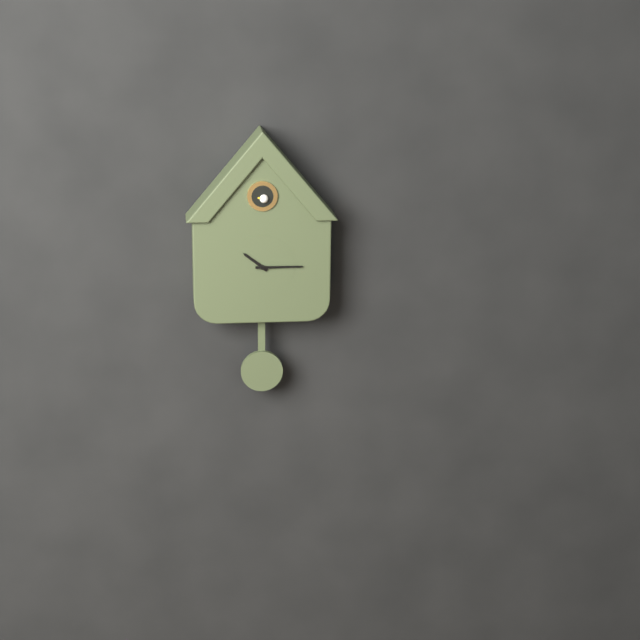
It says 10:15
